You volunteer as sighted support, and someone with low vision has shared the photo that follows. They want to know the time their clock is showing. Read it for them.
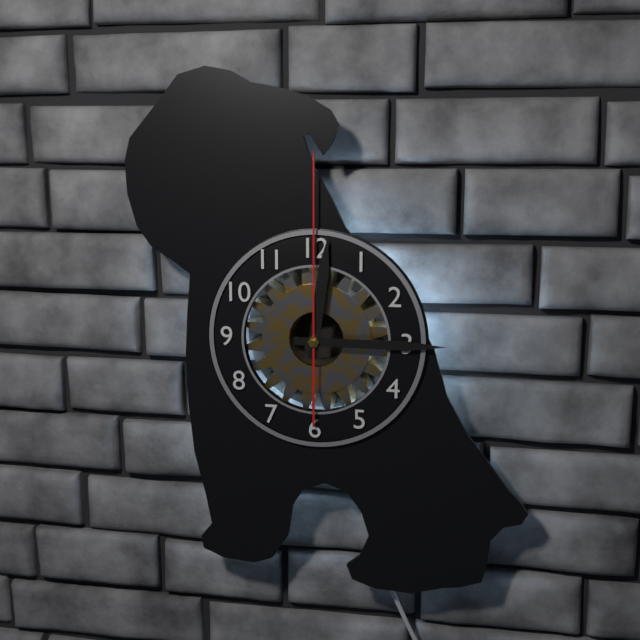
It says 12:15:00
